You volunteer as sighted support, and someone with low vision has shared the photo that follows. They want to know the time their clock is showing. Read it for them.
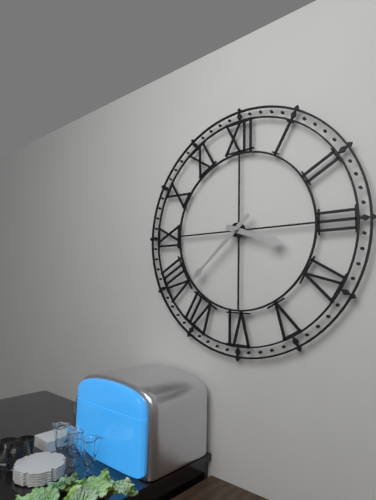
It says 3:38
